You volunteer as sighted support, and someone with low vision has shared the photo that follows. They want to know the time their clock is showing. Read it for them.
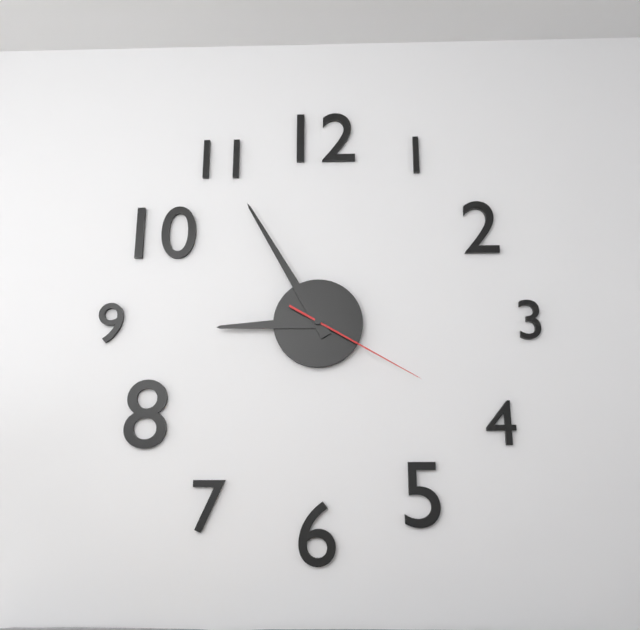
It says 8:55:20
